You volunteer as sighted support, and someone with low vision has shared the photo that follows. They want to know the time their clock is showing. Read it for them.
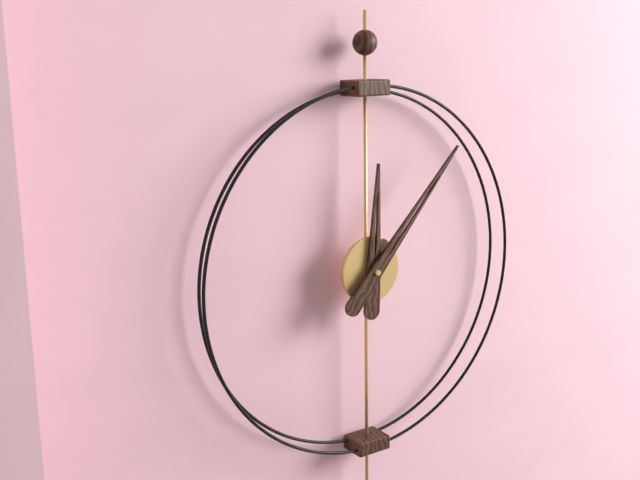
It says 12:07
